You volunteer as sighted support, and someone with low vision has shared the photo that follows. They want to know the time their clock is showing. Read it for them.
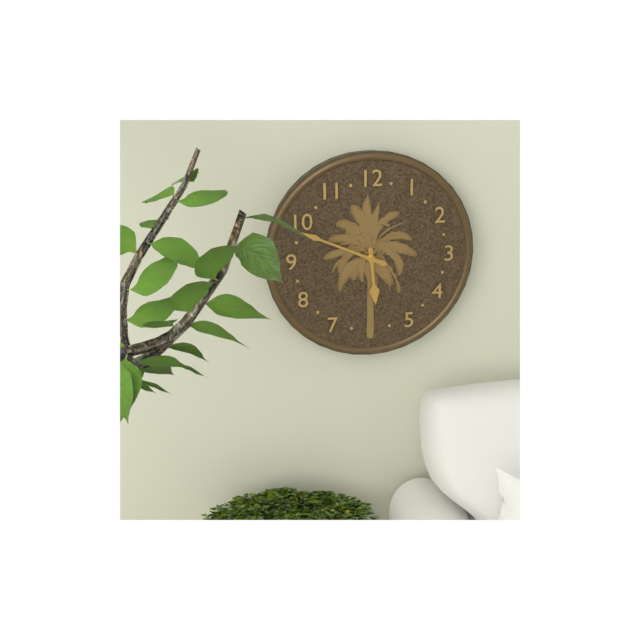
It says 5:49
